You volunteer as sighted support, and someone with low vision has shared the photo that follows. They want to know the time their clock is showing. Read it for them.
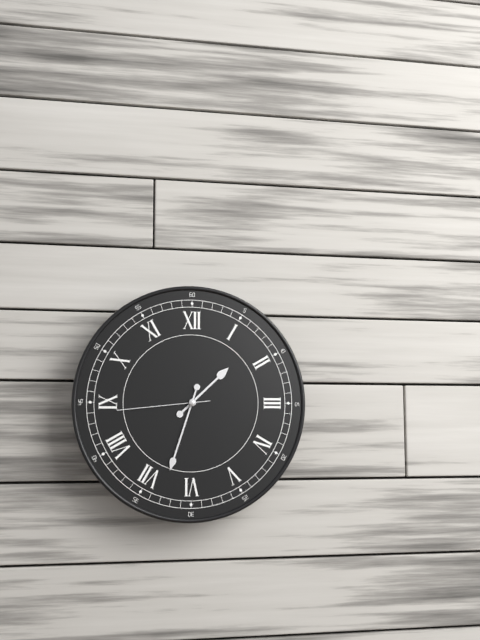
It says 1:33:44
